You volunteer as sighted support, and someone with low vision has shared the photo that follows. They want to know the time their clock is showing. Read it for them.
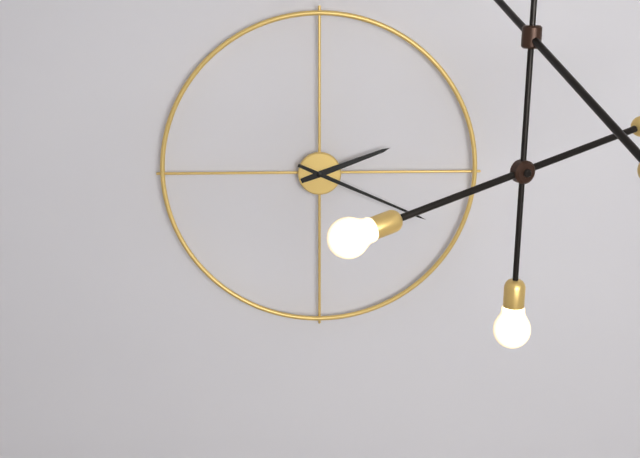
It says 2:19
